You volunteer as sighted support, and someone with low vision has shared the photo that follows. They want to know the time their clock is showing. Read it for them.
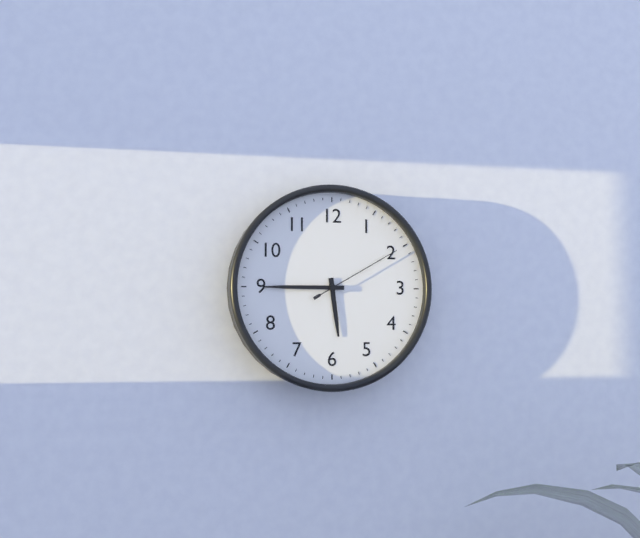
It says 5:45:10
